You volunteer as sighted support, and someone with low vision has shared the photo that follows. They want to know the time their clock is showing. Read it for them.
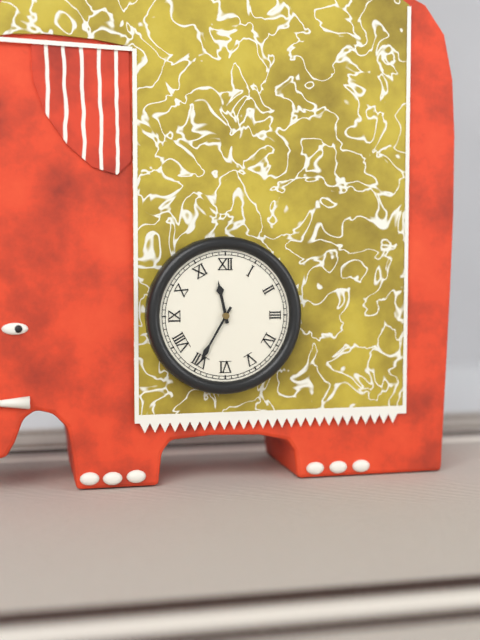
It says 11:35
